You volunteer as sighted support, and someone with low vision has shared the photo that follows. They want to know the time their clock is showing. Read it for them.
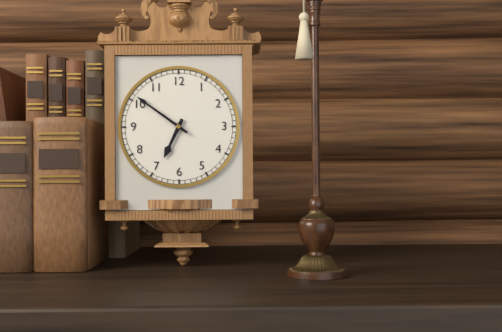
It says 6:51
